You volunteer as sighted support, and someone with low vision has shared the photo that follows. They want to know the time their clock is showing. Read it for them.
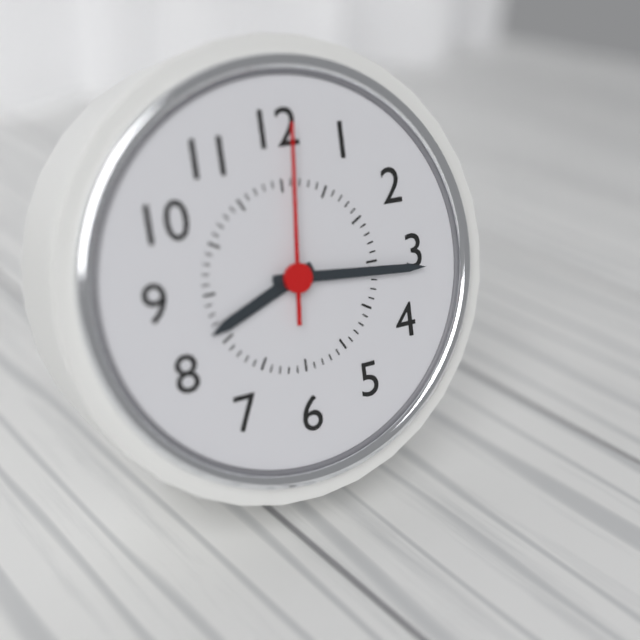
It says 8:16:01
